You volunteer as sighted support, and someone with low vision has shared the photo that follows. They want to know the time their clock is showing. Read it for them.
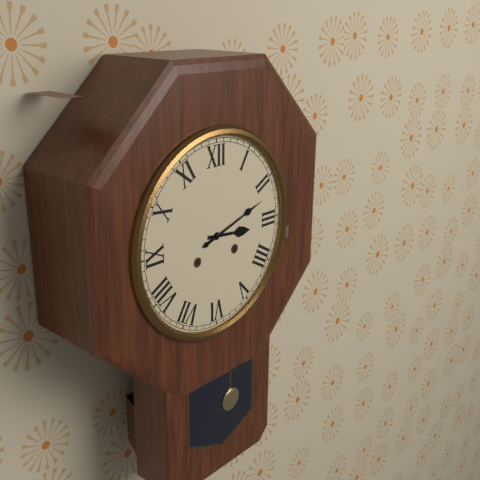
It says 3:12
